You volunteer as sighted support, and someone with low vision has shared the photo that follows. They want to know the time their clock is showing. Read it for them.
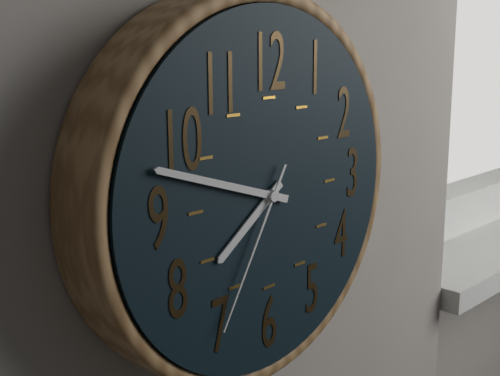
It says 7:48:35
